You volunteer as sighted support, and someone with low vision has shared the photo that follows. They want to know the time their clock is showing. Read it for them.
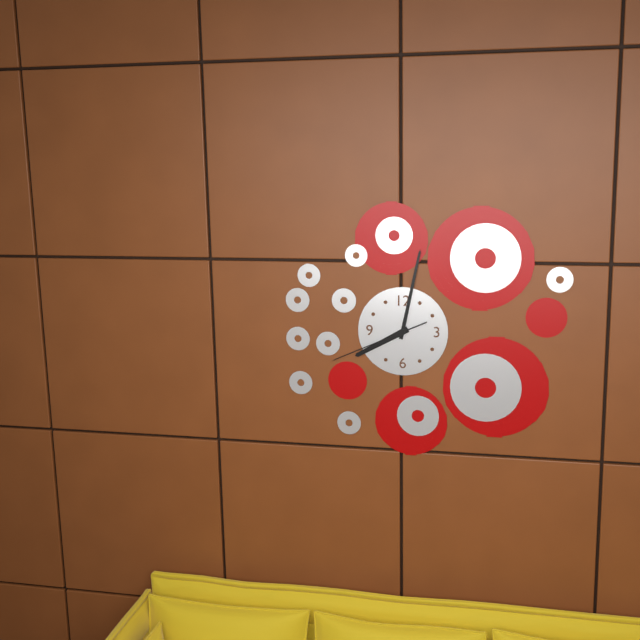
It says 8:02:41
